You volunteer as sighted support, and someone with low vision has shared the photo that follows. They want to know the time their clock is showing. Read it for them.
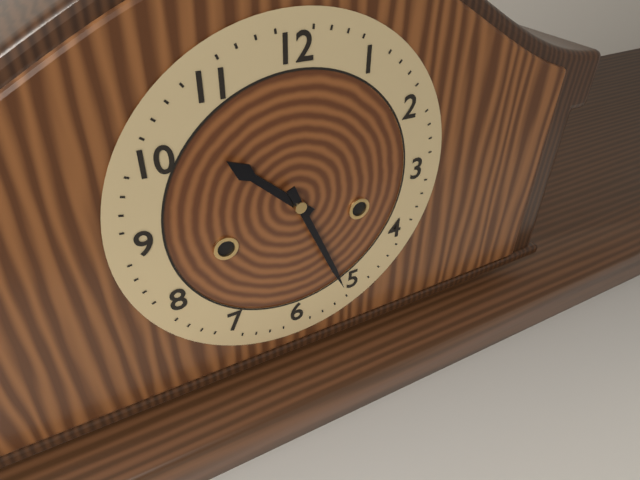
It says 10:26
